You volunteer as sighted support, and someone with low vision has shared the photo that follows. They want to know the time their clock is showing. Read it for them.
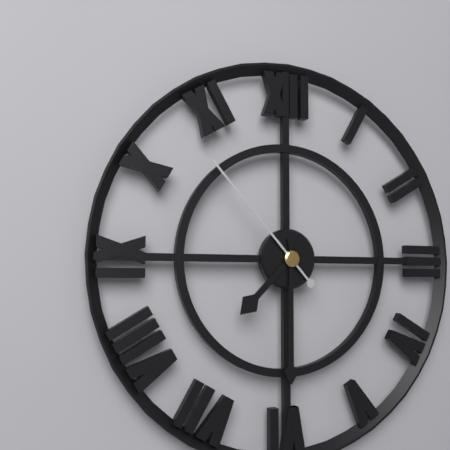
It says 7:30:53
